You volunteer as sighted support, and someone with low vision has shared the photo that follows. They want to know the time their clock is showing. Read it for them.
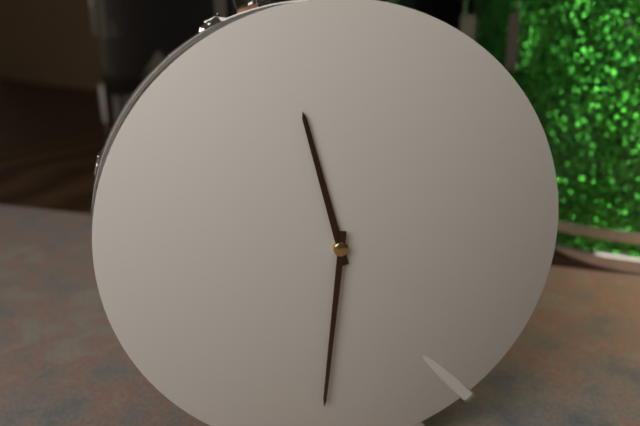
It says 11:31
